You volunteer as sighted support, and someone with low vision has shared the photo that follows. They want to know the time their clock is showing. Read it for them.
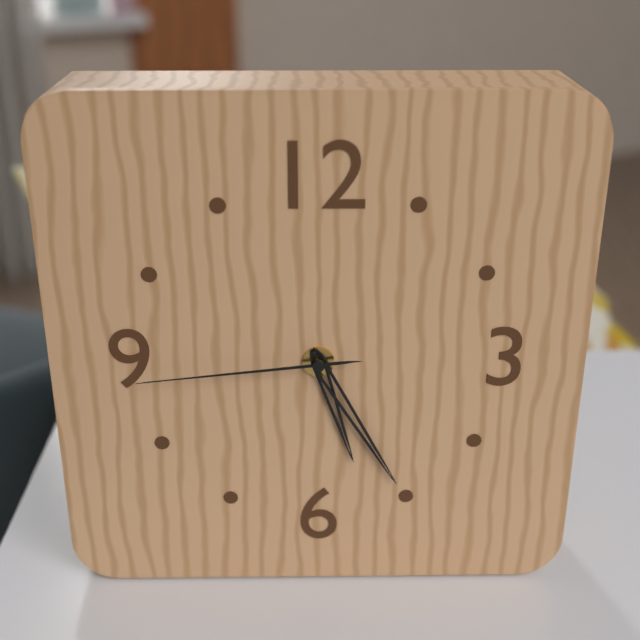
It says 5:25:44
